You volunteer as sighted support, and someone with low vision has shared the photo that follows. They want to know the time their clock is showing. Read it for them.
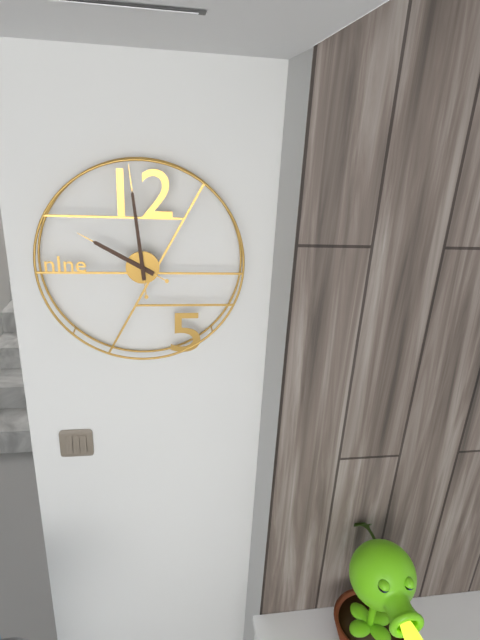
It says 9:59
